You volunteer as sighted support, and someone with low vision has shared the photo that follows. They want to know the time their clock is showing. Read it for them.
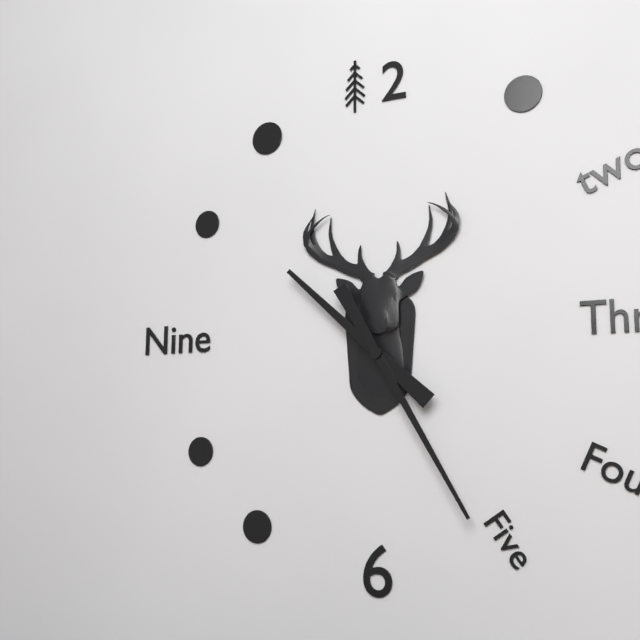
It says 10:25
